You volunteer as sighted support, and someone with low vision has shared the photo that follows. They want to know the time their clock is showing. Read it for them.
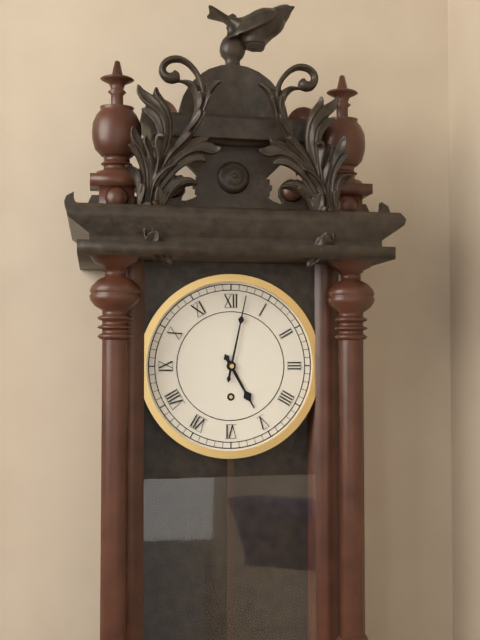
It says 5:02
